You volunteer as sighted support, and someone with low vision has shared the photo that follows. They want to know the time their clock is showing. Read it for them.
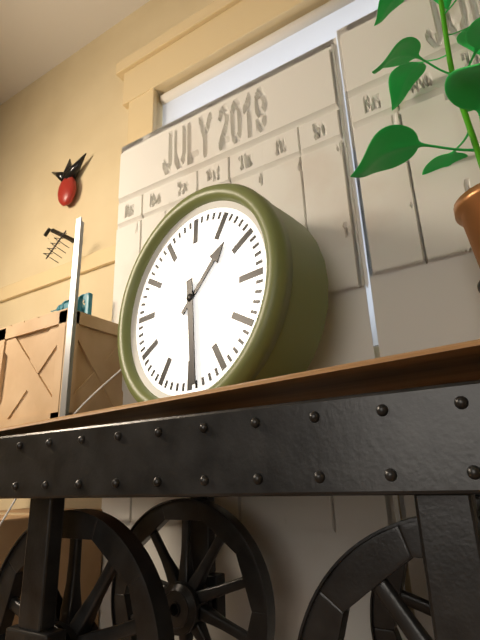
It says 1:29
